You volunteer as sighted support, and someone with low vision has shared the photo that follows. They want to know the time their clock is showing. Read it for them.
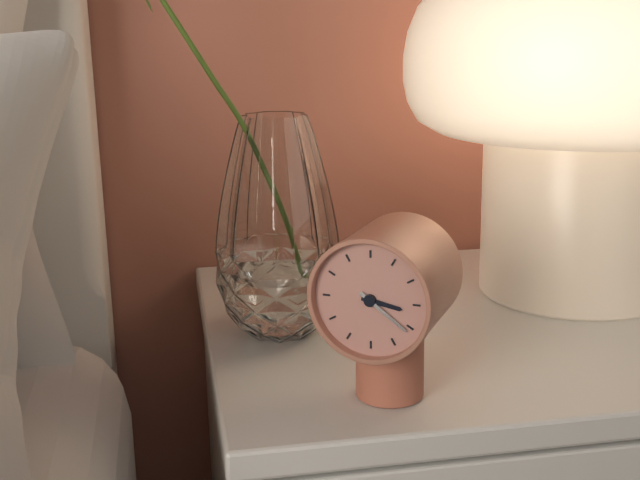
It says 3:21
